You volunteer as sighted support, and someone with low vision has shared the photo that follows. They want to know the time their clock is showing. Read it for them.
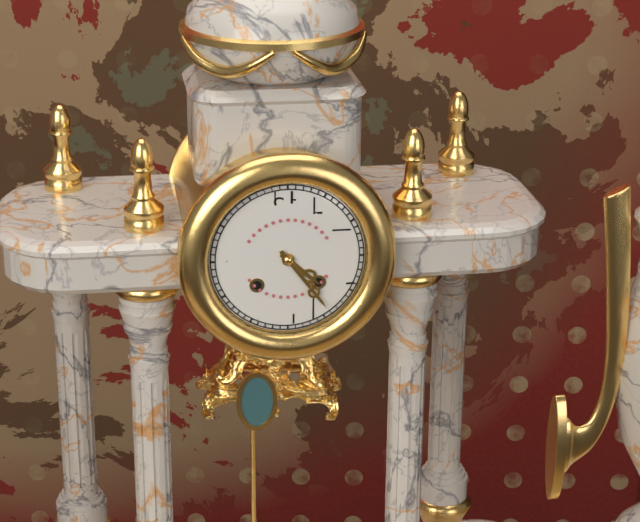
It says 4:24
